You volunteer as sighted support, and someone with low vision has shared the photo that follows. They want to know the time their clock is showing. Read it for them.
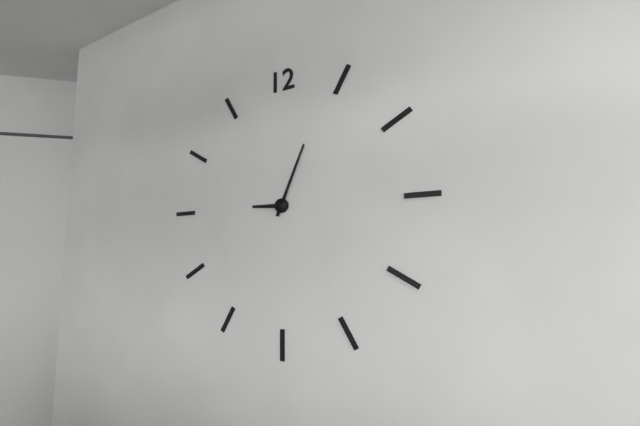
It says 9:04
